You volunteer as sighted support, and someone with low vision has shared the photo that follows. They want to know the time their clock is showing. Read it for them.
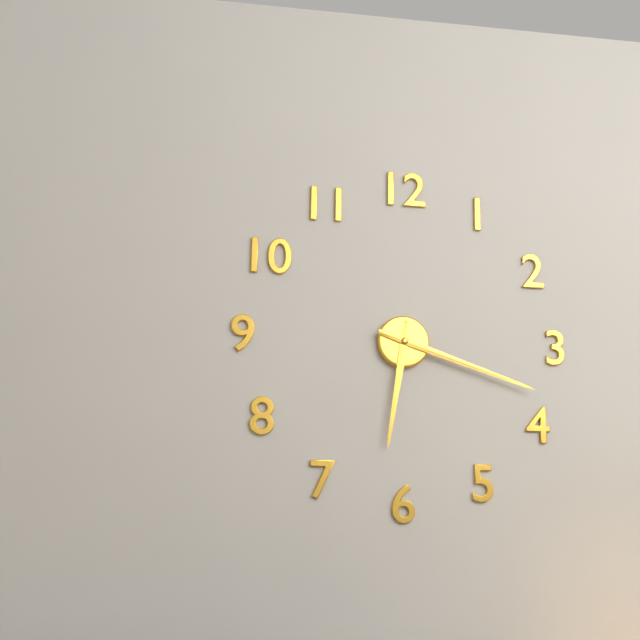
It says 6:18
